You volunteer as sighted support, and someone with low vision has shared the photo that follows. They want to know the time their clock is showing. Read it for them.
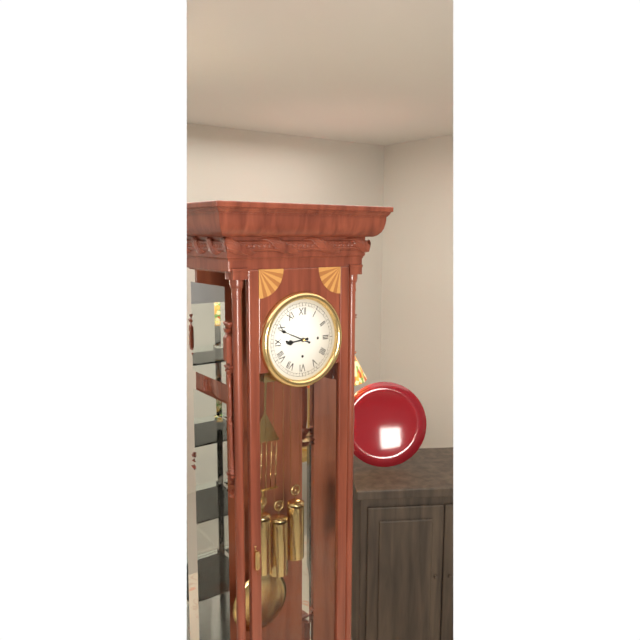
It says 8:49
